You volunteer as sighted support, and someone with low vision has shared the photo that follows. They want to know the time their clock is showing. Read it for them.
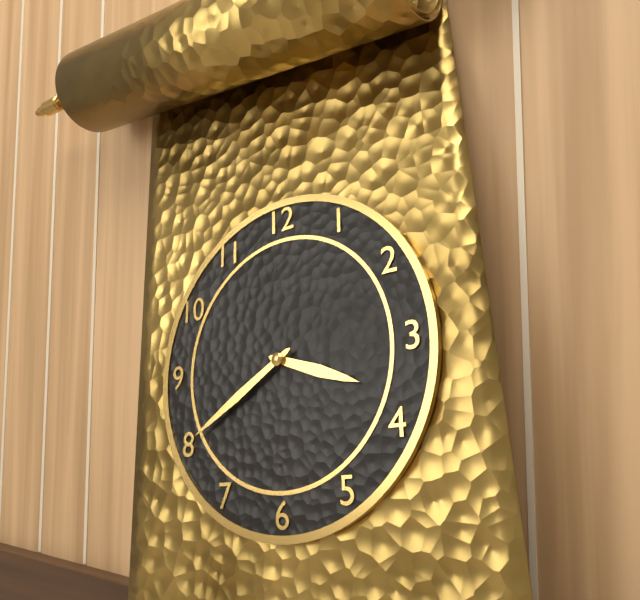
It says 3:40
